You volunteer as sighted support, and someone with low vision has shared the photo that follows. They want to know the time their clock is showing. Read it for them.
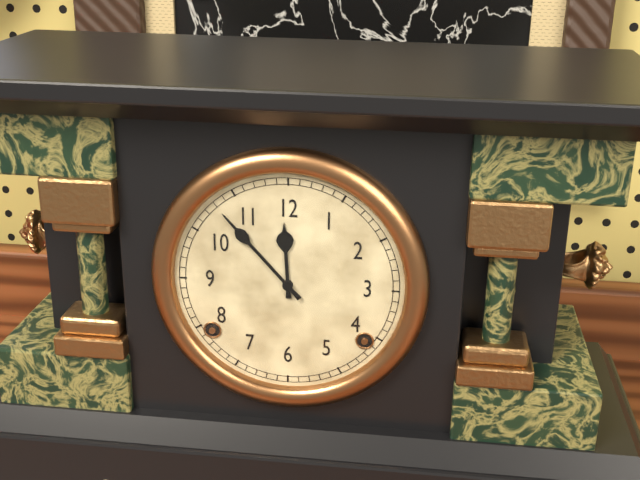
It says 11:53
